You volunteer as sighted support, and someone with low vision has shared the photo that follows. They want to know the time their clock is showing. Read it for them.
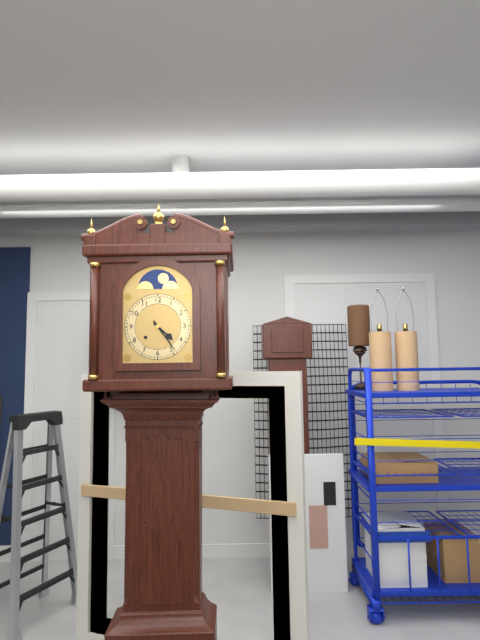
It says 4:24
